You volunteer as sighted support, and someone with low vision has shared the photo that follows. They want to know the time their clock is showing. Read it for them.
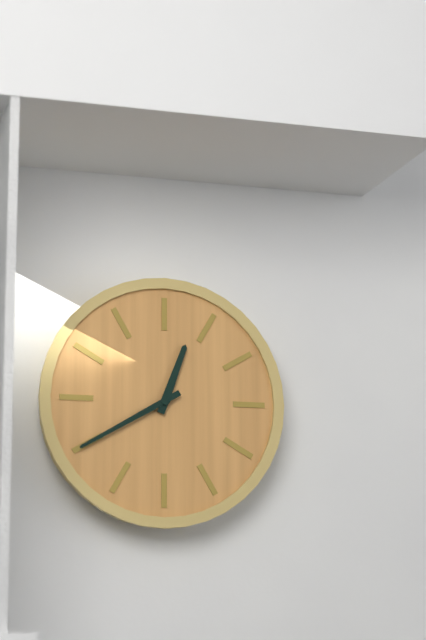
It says 12:40
